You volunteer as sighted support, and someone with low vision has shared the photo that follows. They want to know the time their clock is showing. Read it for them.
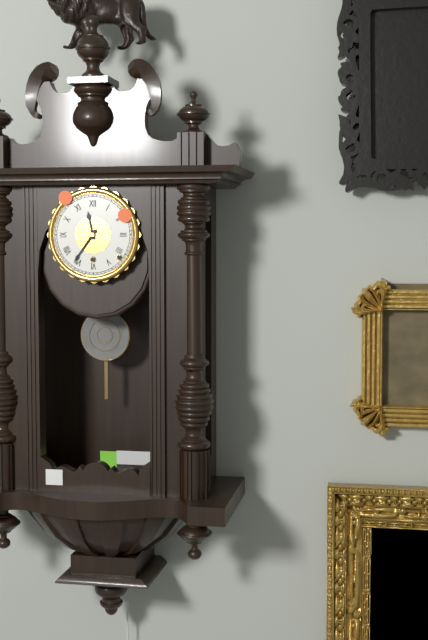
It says 11:36
